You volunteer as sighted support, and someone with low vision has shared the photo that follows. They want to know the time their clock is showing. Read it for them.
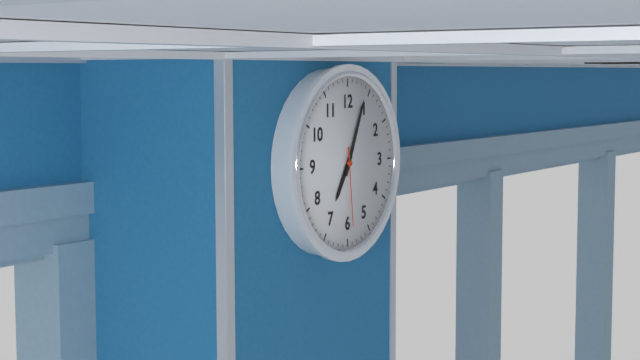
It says 7:04:29
